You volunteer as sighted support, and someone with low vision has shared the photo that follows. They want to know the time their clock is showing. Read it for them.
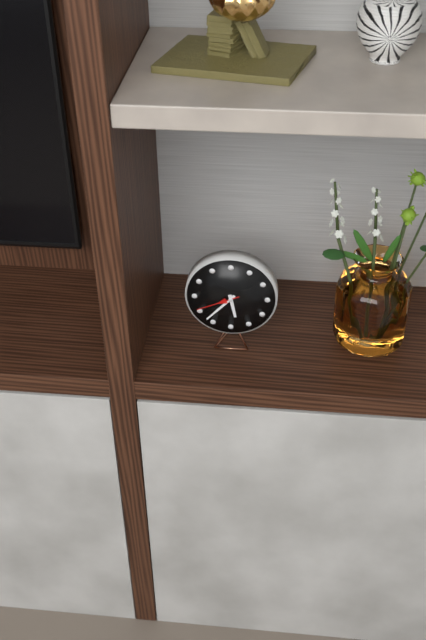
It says 5:37
